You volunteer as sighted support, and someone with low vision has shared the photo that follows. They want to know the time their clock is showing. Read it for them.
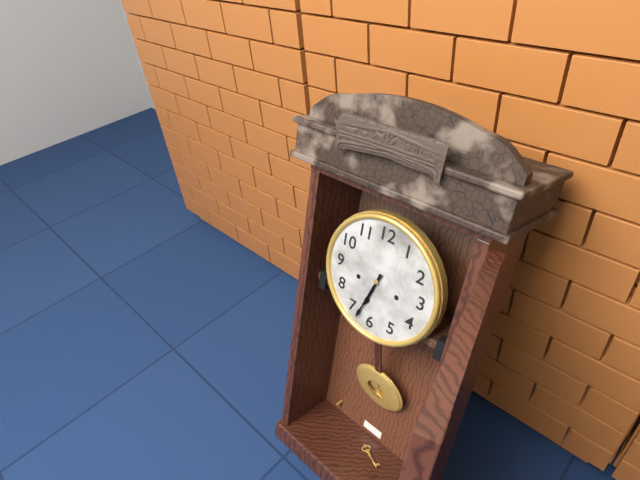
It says 6:33
